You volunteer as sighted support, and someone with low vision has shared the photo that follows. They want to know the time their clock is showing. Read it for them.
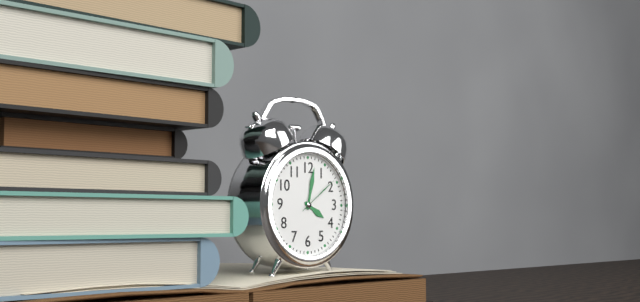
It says 4:02
